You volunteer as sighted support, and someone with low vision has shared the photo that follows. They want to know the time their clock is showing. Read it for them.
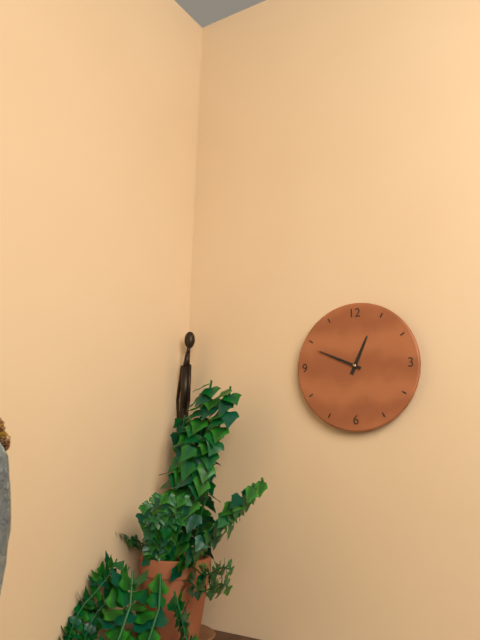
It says 12:49
